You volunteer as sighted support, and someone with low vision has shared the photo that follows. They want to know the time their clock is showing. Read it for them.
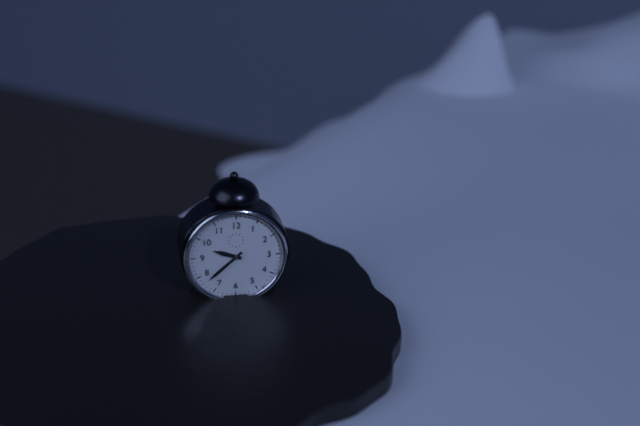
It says 9:38
